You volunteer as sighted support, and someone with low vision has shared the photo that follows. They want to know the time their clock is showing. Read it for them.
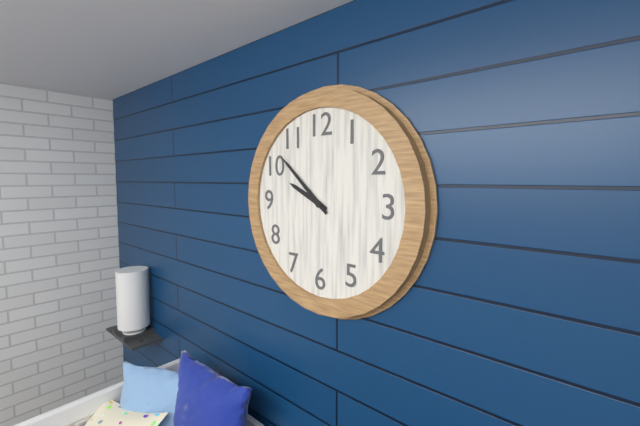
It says 9:52
